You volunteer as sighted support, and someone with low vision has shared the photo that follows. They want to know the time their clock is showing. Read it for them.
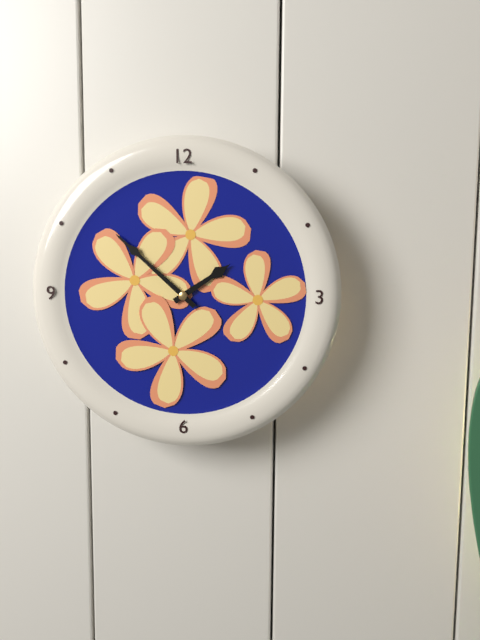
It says 1:52
